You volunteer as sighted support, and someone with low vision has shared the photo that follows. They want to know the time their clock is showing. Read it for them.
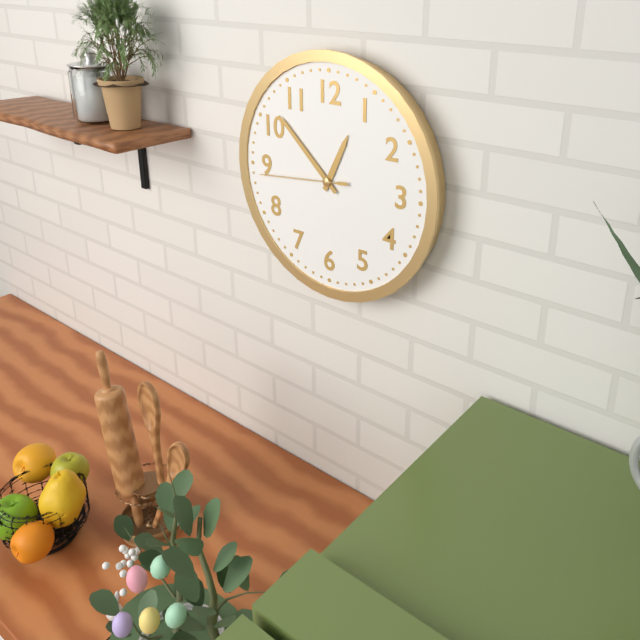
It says 12:52:44
